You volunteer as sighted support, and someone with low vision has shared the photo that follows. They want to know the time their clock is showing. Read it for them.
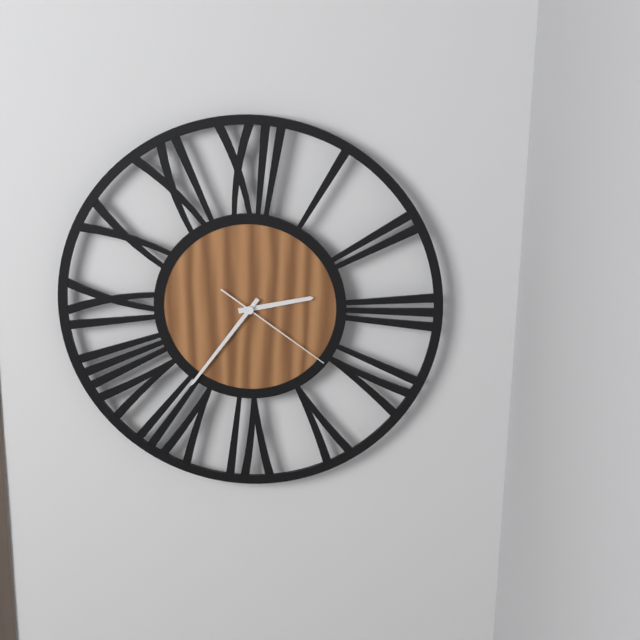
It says 2:36:21
